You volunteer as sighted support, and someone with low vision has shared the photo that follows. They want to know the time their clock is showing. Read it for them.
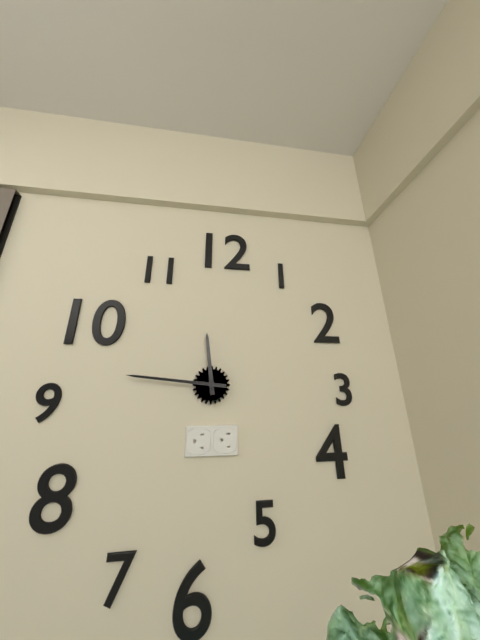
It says 11:46
